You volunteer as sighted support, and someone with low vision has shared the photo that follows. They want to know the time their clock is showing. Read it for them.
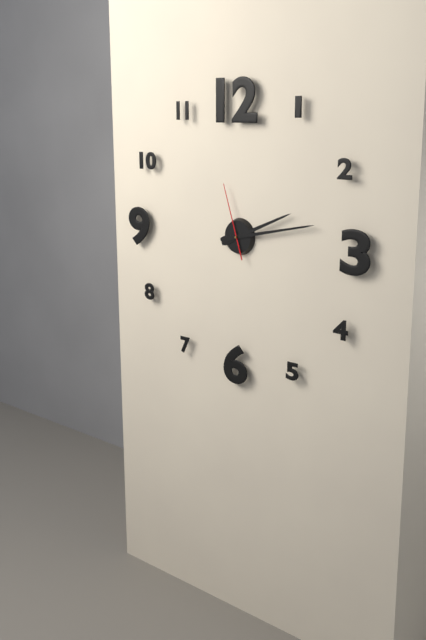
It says 2:13:57
